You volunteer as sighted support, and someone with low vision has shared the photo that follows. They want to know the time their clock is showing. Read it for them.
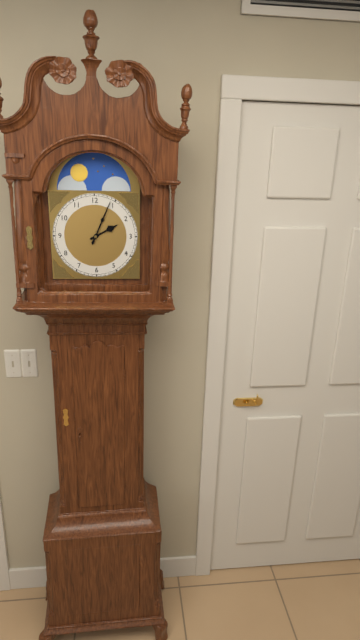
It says 2:04
